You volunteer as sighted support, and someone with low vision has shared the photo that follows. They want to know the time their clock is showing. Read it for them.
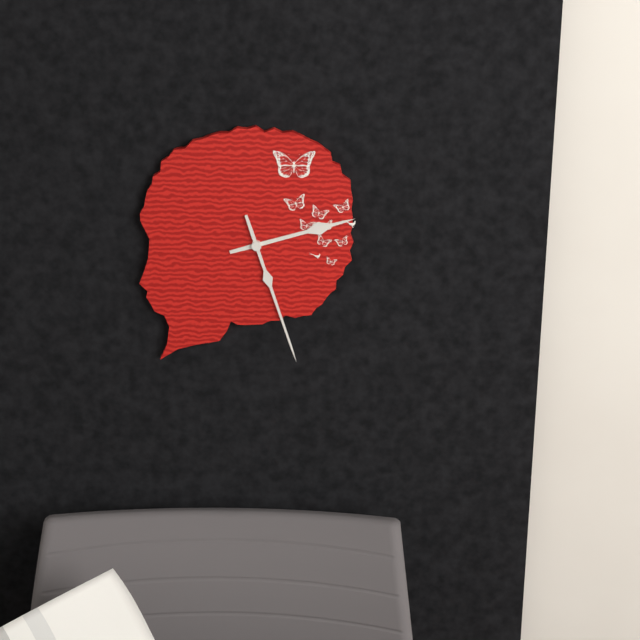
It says 2:27
